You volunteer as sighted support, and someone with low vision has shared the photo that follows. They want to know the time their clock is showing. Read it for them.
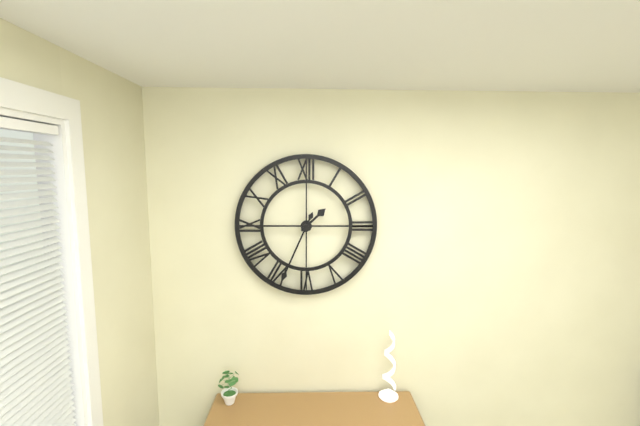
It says 1:34
